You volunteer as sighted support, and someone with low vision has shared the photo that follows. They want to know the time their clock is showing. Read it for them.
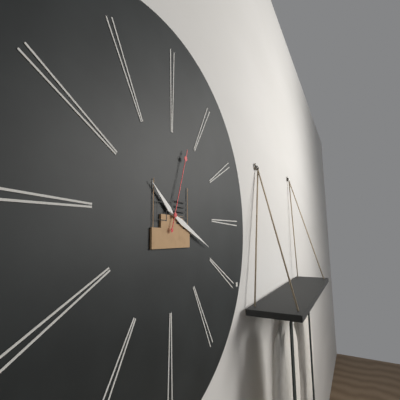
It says 10:19:03
